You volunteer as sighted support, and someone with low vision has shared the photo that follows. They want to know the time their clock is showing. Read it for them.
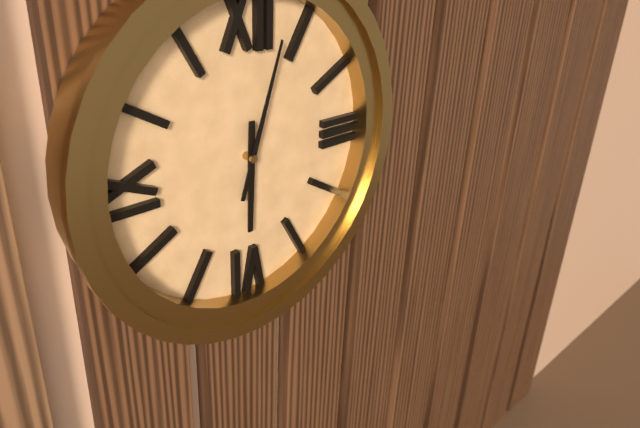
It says 6:03
